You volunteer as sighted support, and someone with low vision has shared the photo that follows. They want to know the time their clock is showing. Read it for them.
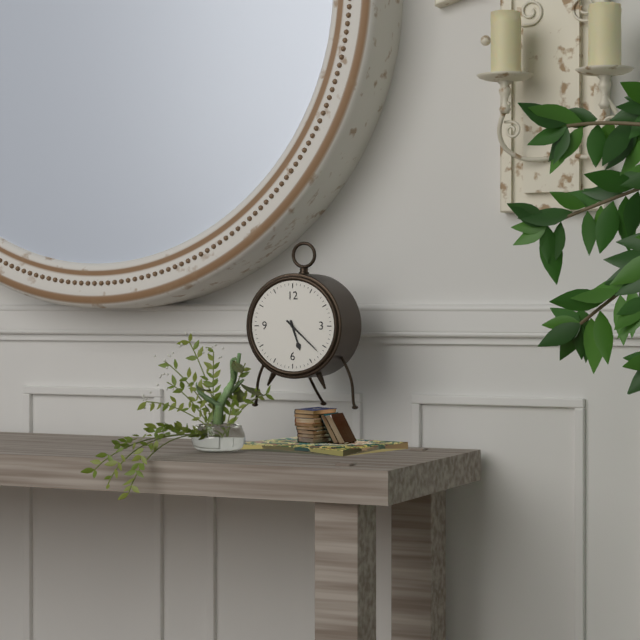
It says 5:22
